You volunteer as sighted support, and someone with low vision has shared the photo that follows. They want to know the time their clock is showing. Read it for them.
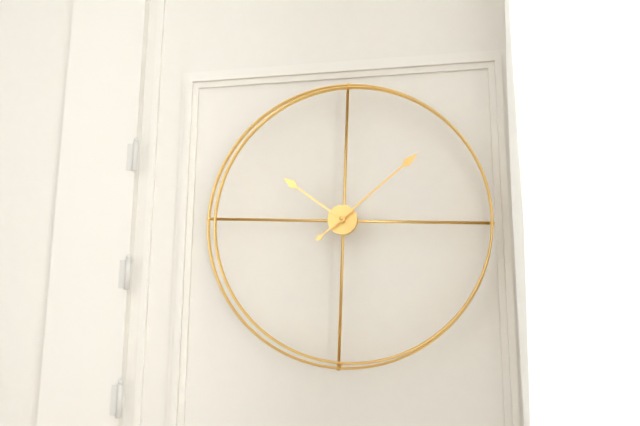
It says 10:08
